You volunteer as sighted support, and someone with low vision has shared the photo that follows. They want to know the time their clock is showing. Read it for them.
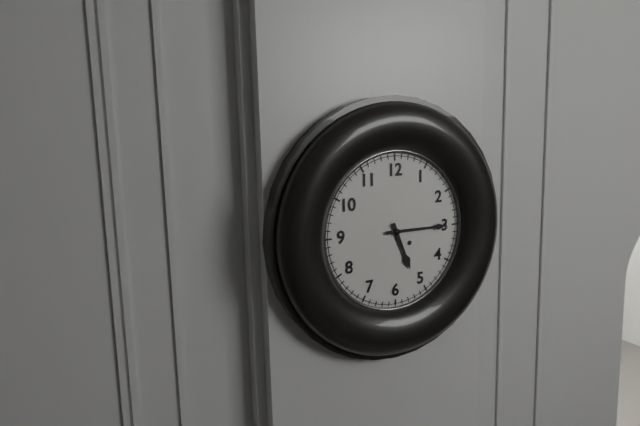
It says 5:15
